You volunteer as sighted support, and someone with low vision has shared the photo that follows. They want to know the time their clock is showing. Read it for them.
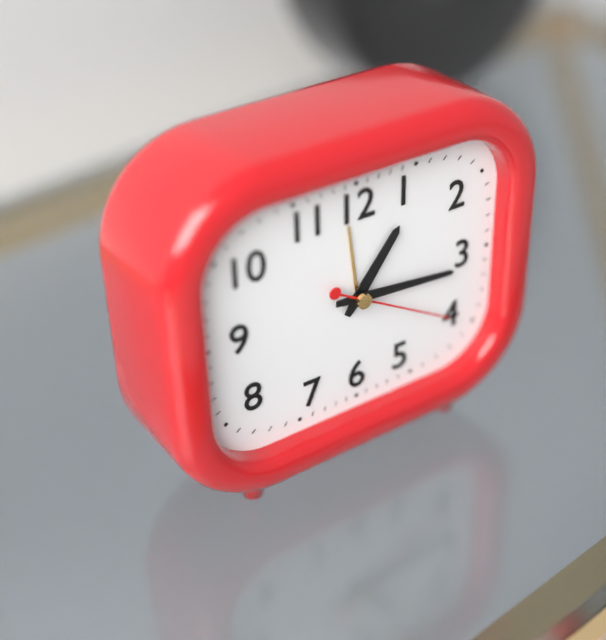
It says 1:16:20
